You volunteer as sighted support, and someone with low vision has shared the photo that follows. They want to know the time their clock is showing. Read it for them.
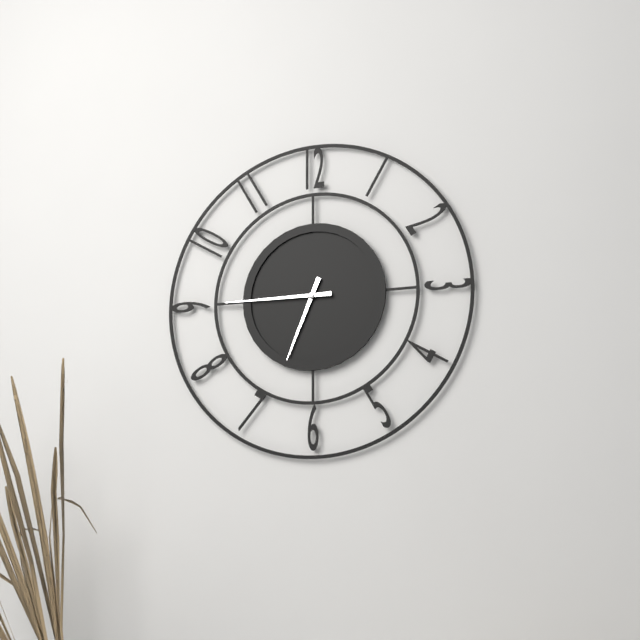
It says 6:45
